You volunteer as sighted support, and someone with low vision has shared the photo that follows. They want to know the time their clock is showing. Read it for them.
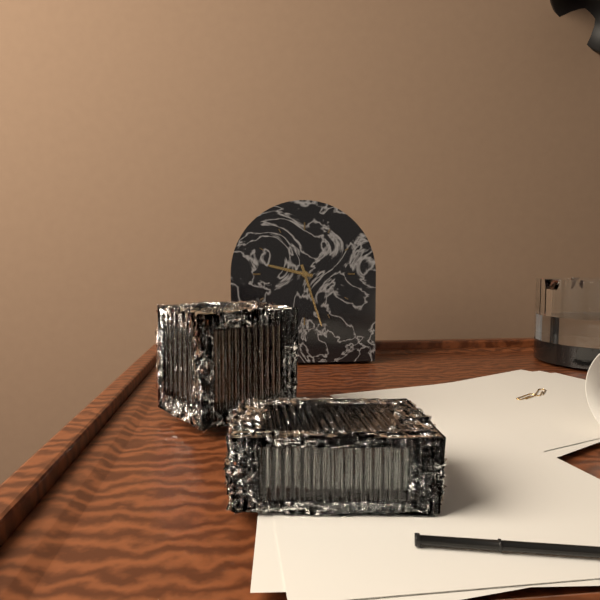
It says 9:27
